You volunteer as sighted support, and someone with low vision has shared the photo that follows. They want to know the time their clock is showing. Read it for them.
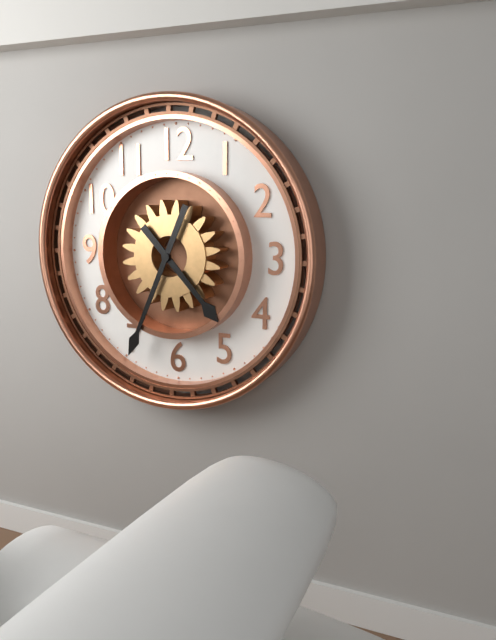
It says 4:34
